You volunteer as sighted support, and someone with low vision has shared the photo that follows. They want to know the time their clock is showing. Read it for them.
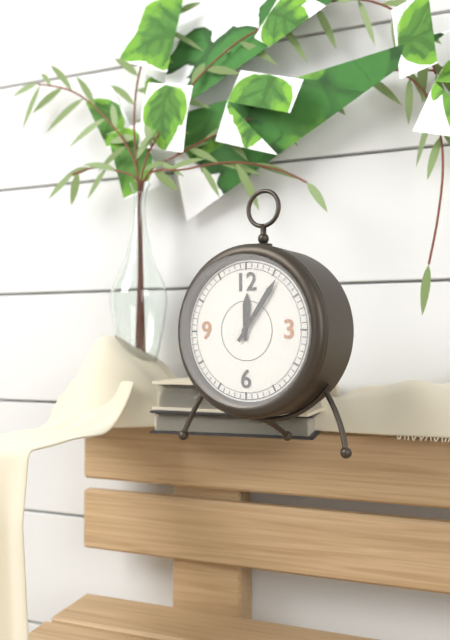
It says 12:06
